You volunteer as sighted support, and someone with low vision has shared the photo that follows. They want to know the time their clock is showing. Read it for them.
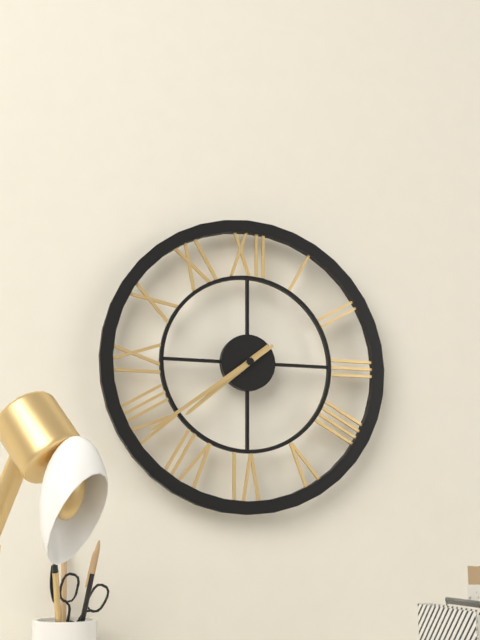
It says 7:39
